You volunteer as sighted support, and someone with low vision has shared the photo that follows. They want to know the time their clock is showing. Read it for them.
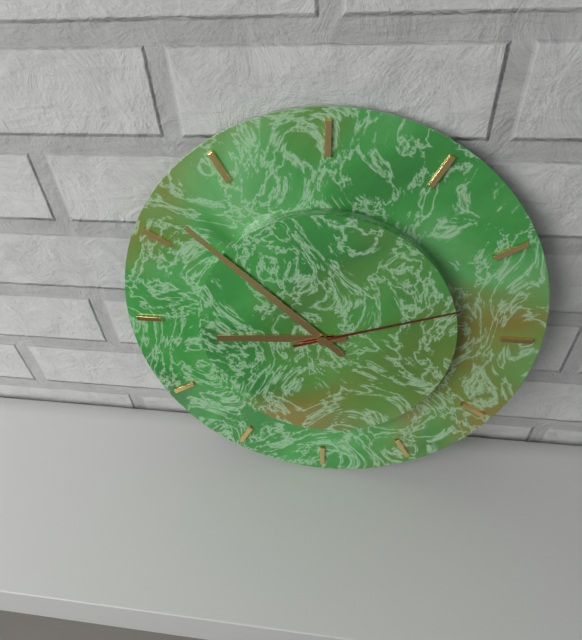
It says 8:52:12
